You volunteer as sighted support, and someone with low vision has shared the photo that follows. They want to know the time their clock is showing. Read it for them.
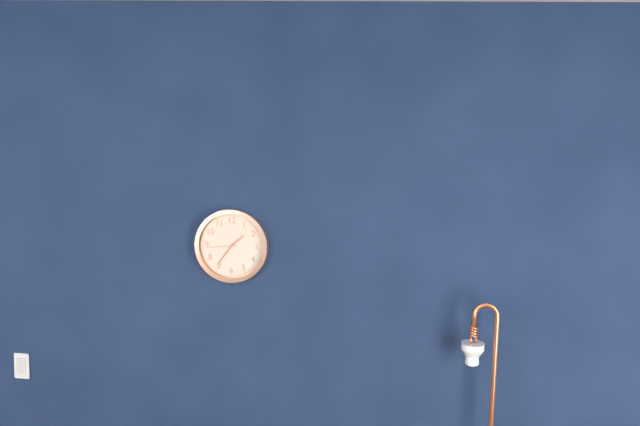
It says 1:36
